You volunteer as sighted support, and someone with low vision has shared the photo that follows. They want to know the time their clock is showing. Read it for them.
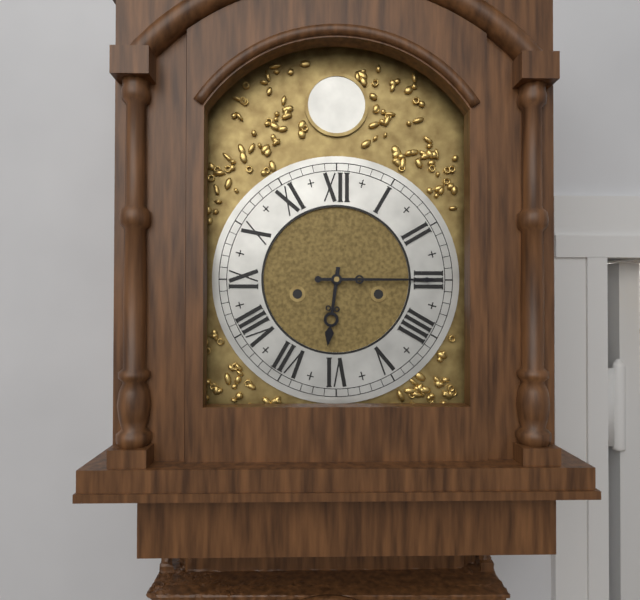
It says 6:15
